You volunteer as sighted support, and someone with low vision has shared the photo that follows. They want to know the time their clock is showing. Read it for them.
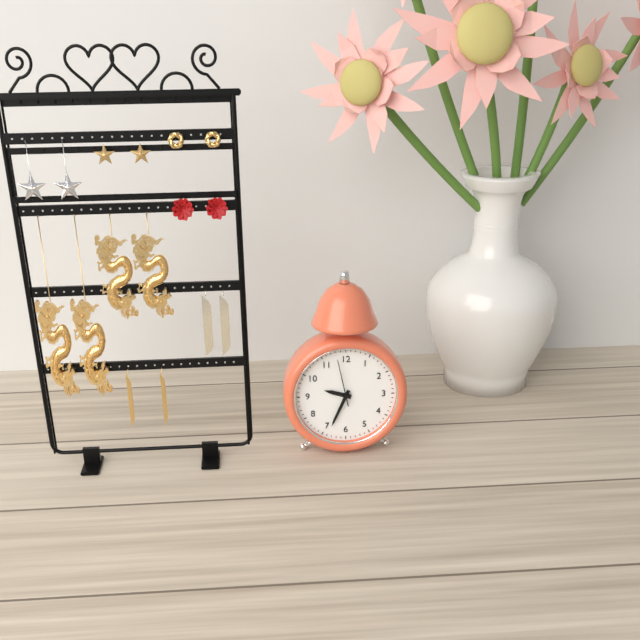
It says 9:34
